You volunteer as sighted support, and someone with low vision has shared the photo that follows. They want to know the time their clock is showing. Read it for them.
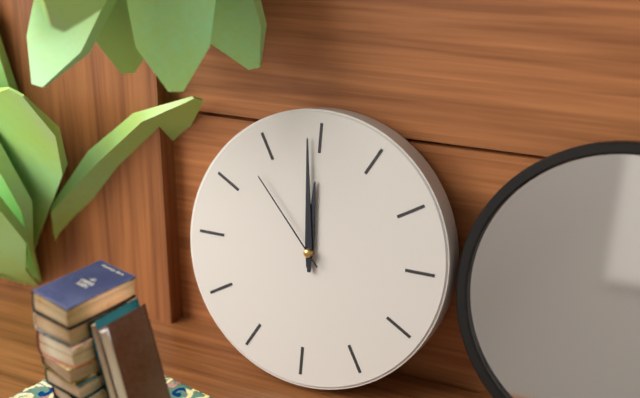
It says 11:59:53
